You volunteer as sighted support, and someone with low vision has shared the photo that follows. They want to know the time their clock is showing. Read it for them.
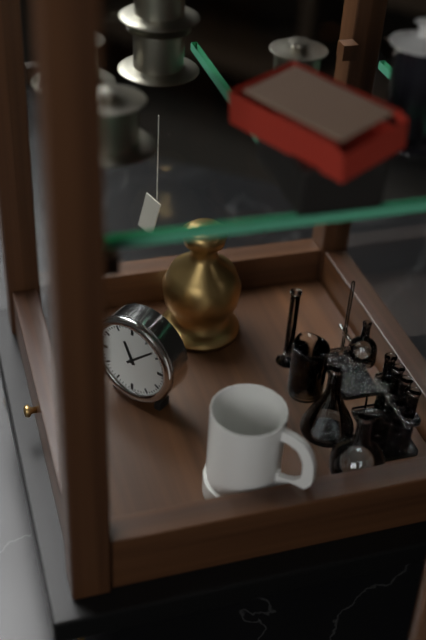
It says 11:08
